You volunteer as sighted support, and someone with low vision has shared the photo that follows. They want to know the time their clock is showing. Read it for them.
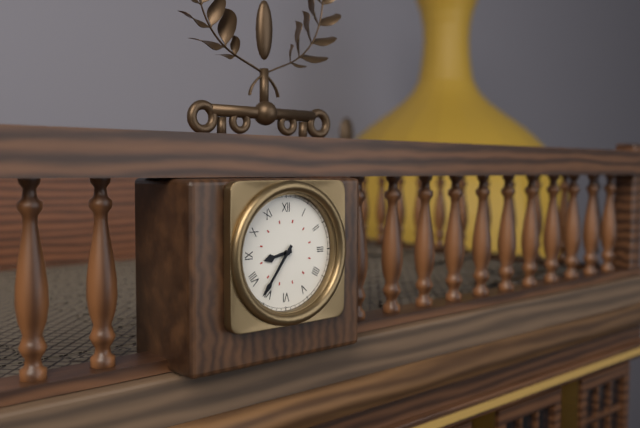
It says 8:36
